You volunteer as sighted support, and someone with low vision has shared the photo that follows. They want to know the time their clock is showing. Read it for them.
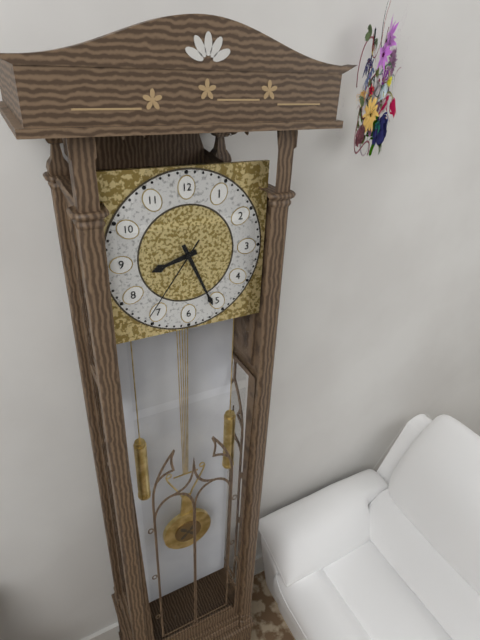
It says 8:26:36
